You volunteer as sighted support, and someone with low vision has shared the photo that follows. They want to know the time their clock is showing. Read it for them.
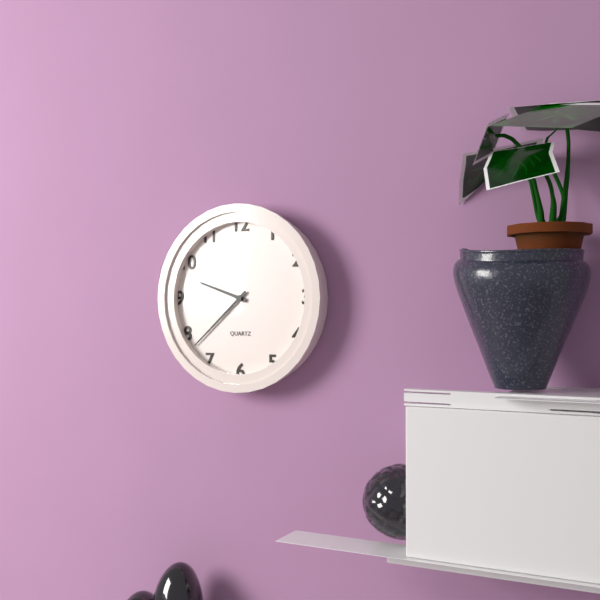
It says 9:38
